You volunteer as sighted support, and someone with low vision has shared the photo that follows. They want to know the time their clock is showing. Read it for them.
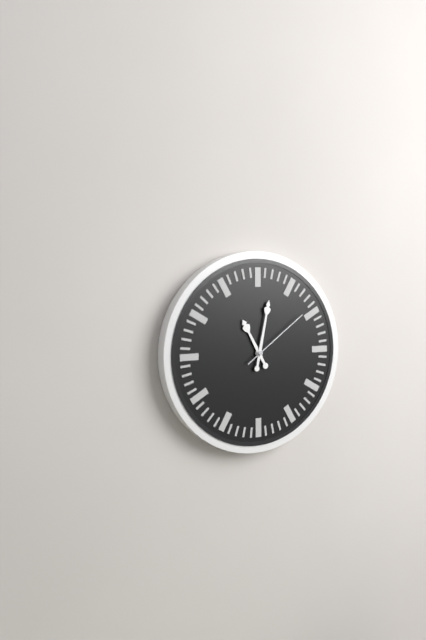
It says 11:02:09
